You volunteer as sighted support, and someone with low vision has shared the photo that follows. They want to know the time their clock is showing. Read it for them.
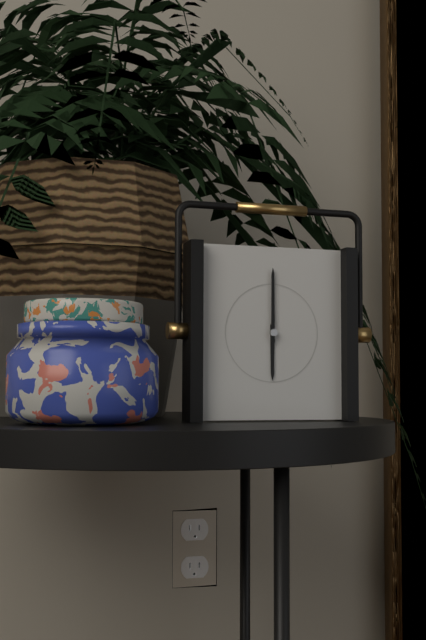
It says 6:00
